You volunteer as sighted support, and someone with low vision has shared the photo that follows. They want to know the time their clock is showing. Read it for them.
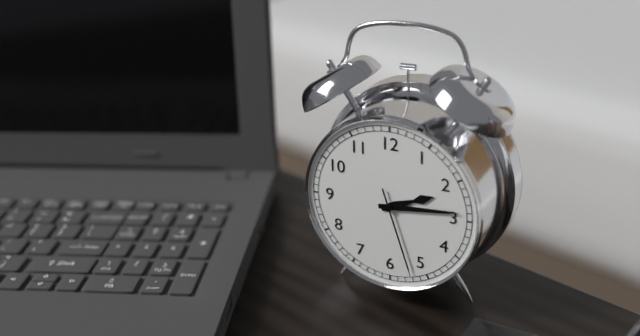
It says 2:14:27
